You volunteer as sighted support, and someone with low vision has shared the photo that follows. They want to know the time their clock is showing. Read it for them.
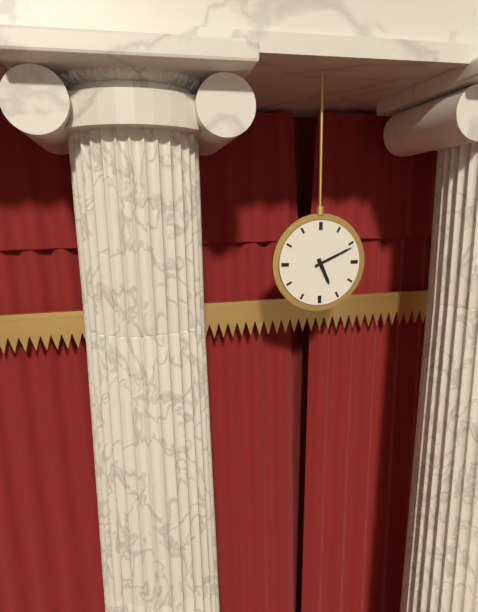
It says 5:11
